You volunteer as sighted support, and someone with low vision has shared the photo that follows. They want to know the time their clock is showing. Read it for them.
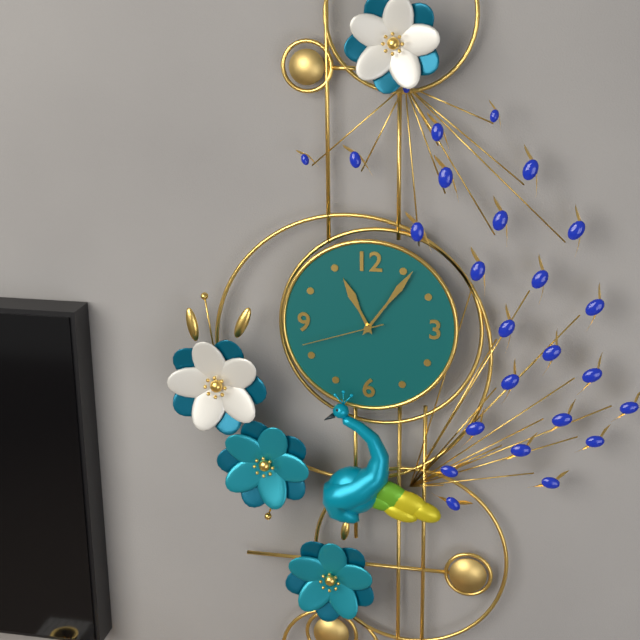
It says 11:06:42
